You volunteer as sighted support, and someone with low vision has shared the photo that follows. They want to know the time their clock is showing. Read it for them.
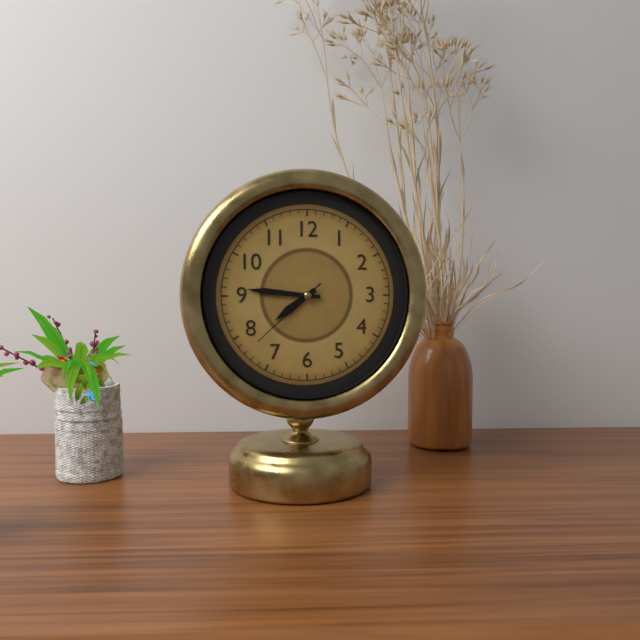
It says 7:46:38
